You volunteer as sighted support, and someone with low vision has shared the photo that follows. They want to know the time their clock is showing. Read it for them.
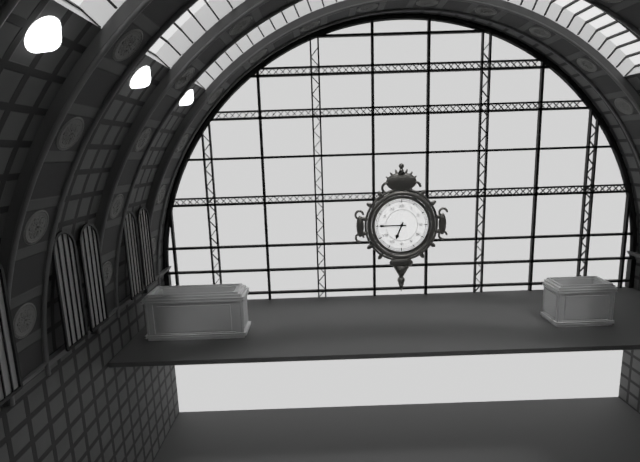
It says 6:45
